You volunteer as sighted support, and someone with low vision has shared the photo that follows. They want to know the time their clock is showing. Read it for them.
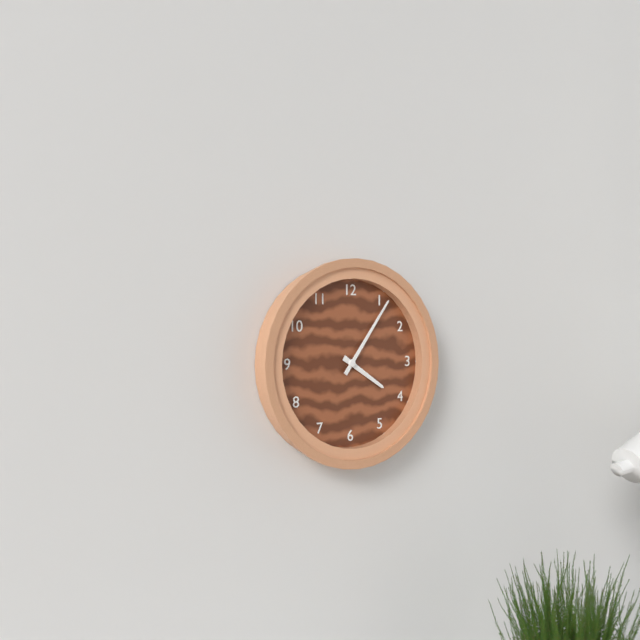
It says 4:06
